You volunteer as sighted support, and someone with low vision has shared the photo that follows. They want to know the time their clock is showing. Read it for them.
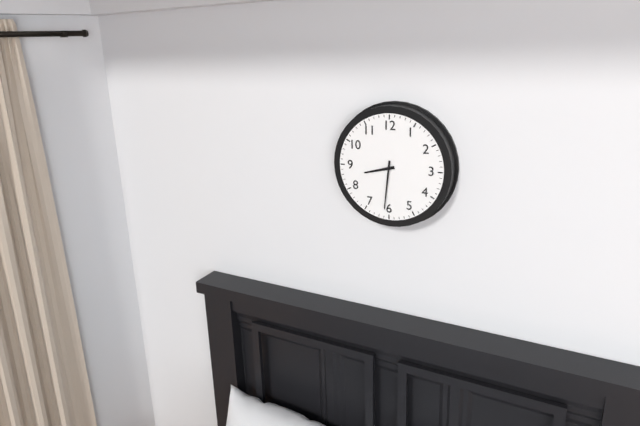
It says 8:31
